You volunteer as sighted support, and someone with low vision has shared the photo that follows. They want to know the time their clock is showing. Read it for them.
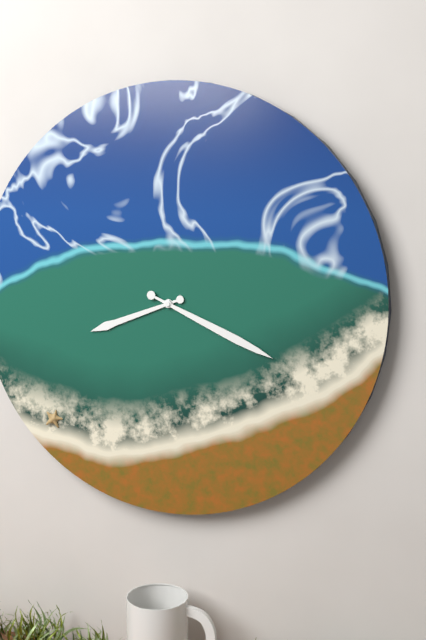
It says 8:19
